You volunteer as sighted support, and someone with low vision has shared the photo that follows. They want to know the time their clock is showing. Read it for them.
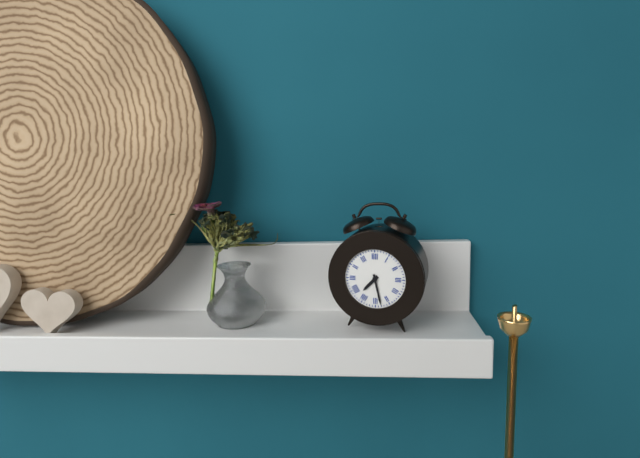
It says 7:28
